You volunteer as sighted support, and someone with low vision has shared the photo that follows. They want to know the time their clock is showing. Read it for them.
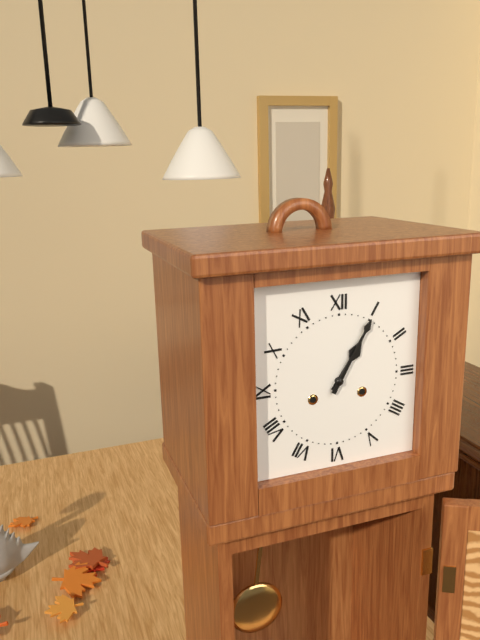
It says 1:05
